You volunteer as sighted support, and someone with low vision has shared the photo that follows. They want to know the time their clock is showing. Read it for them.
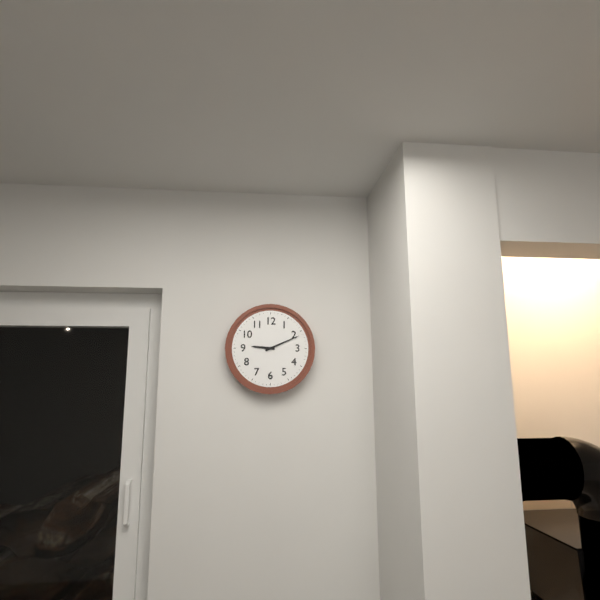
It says 9:11
